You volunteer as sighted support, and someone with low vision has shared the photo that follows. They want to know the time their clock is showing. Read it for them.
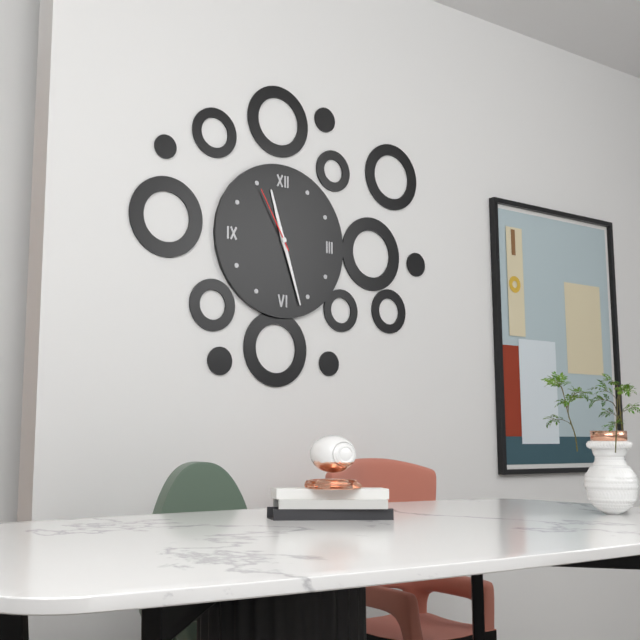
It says 11:27:55
